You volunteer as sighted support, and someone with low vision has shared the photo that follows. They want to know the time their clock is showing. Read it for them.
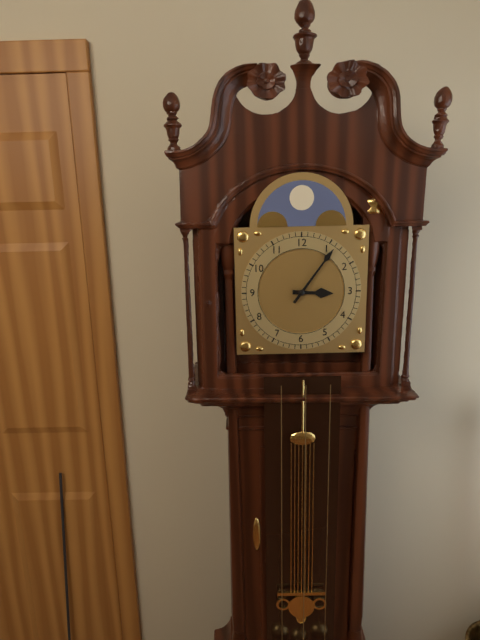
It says 3:06
